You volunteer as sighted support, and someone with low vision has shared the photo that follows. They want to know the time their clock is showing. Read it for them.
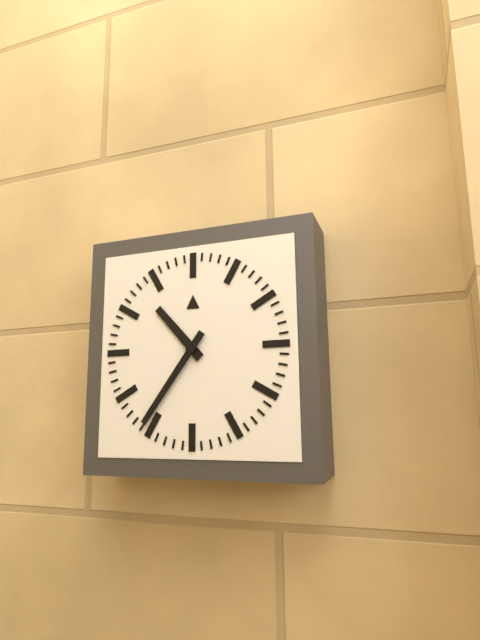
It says 10:36
